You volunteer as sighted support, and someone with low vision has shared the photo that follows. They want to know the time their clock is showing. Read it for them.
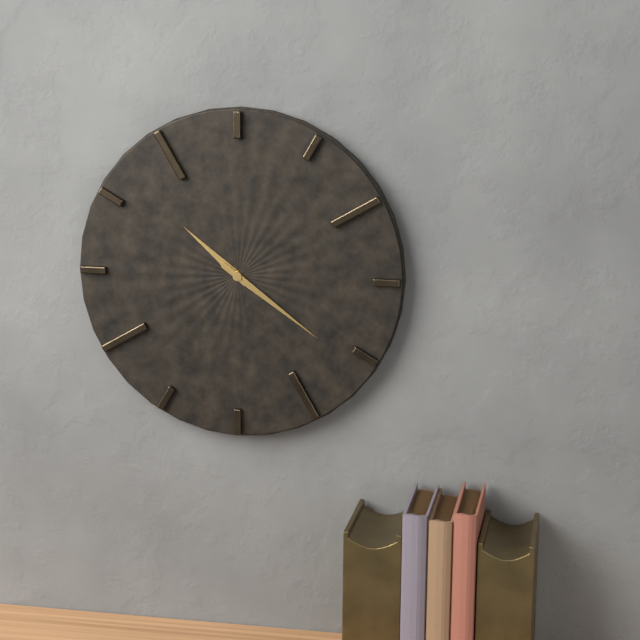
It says 10:21
